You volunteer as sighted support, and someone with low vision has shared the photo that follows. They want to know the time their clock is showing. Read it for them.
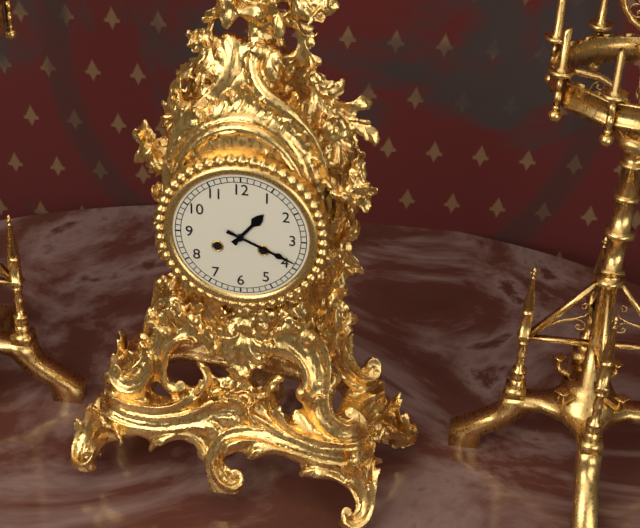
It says 1:19
